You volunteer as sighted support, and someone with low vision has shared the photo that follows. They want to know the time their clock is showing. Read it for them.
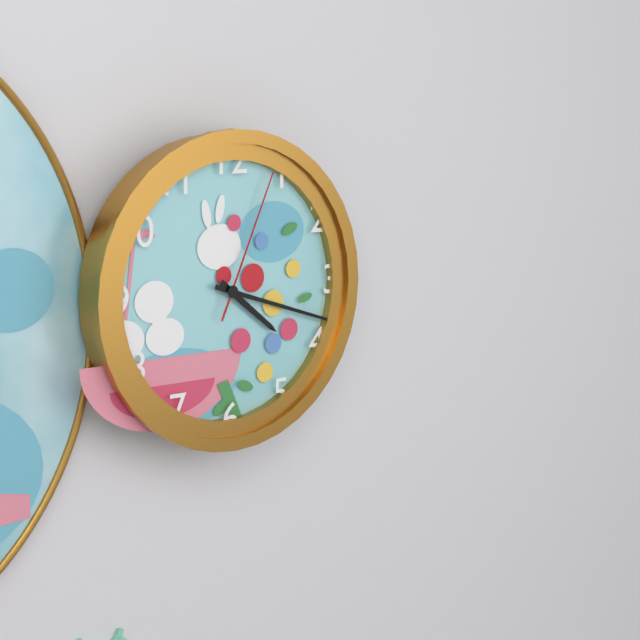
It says 4:18:04
